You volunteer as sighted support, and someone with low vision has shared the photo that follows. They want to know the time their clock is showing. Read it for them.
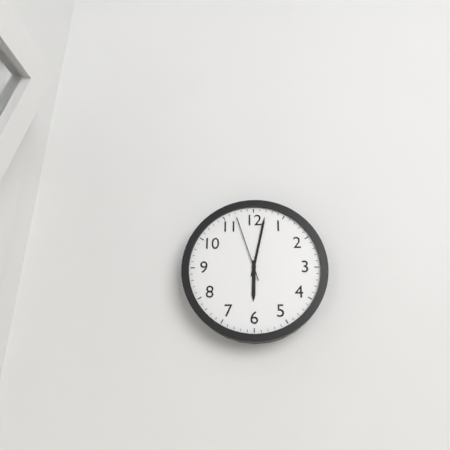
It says 6:02:57
